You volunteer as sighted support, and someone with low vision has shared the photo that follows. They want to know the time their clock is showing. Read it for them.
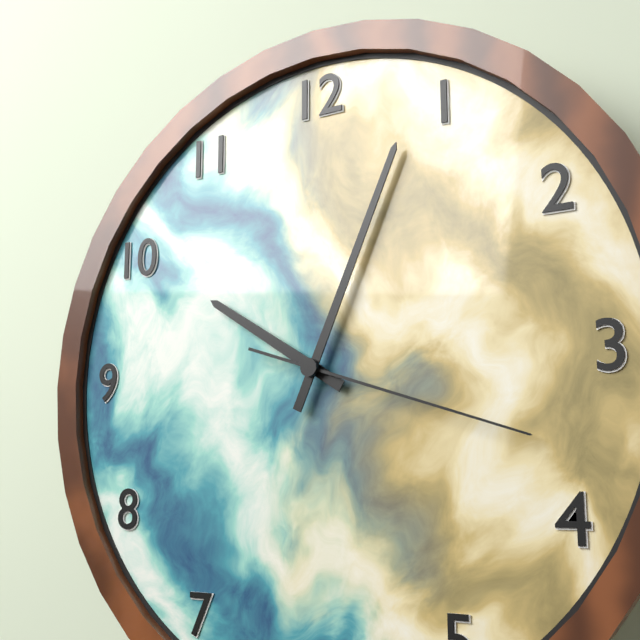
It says 10:04:18
